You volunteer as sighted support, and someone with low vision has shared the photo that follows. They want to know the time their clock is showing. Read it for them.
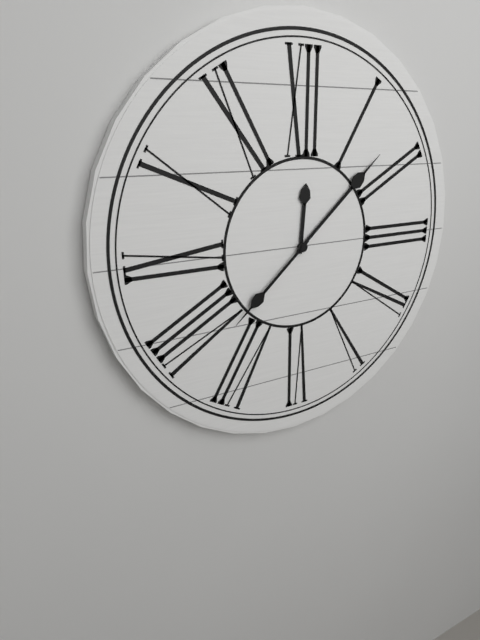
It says 12:08:38
